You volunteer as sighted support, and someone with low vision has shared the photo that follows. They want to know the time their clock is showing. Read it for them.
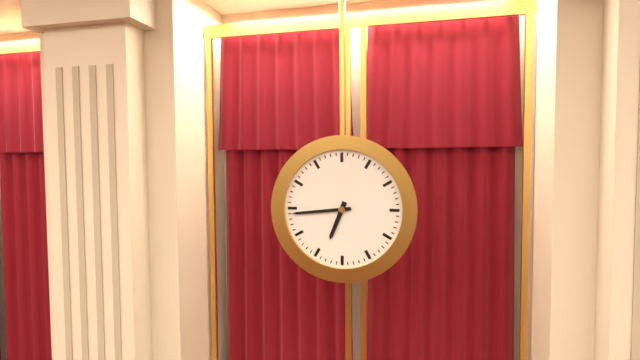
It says 6:44
